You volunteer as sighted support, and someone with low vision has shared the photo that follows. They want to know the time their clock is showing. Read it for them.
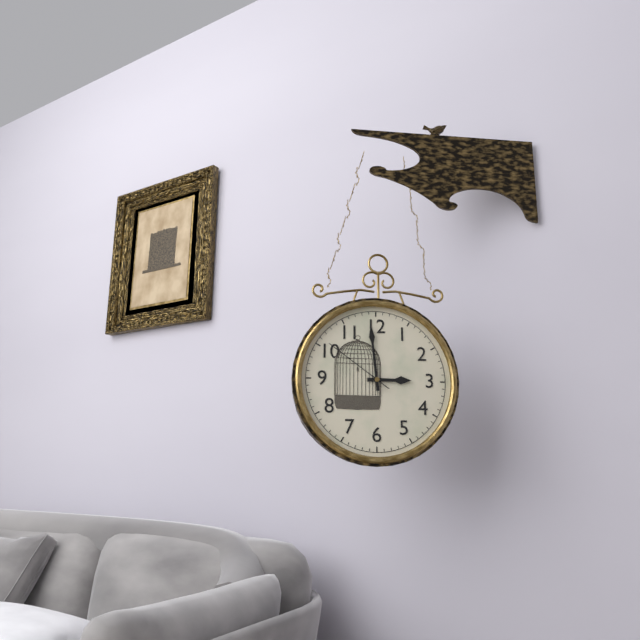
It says 2:59:51
